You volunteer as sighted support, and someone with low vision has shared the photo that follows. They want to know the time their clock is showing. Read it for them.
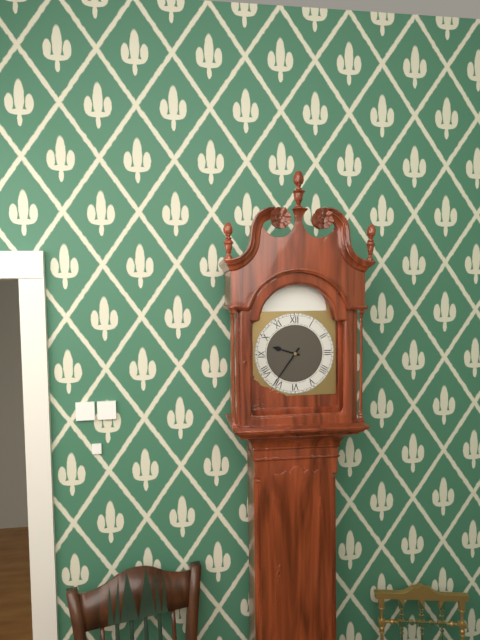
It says 9:36
